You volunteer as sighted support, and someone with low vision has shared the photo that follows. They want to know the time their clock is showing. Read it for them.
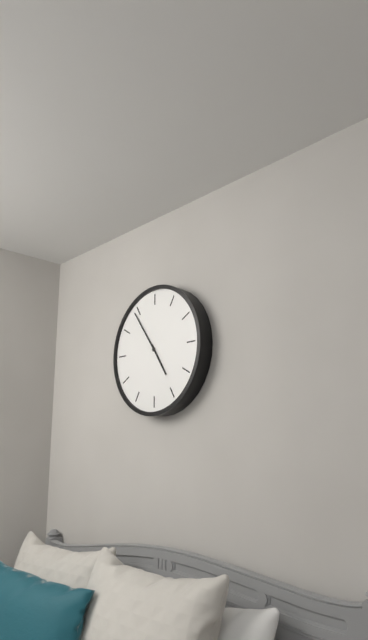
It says 4:54
